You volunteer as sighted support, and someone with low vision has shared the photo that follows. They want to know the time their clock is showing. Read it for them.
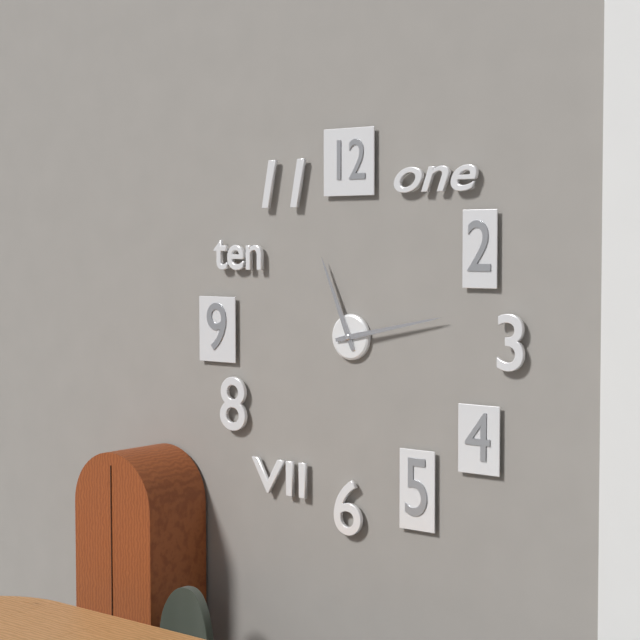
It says 11:13
